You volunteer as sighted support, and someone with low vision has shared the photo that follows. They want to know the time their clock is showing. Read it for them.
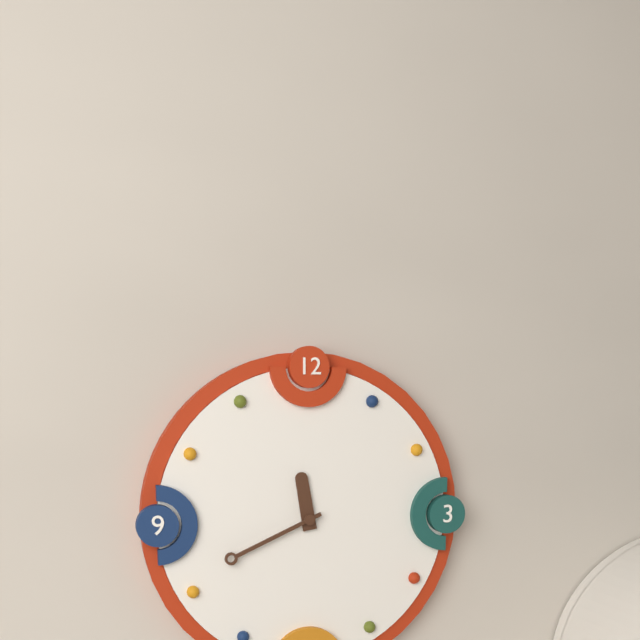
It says 11:41
